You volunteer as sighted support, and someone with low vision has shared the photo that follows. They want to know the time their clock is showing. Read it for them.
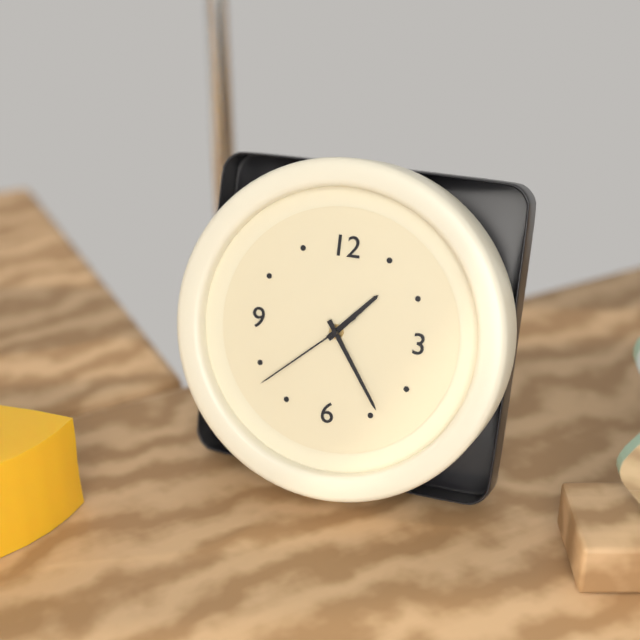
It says 1:24:38
